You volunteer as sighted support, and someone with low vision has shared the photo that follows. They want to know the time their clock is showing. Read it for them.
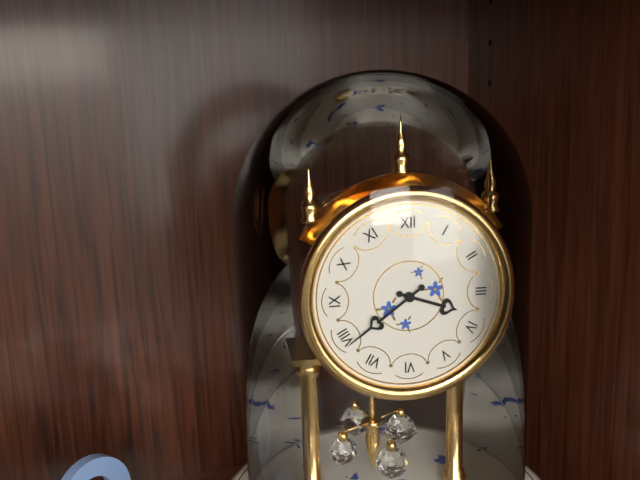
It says 3:39
